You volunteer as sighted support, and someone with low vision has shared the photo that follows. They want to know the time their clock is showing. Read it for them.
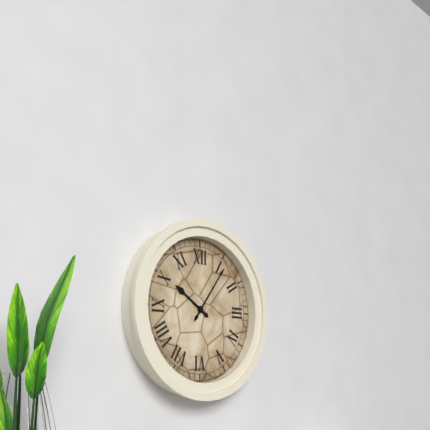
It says 10:06
